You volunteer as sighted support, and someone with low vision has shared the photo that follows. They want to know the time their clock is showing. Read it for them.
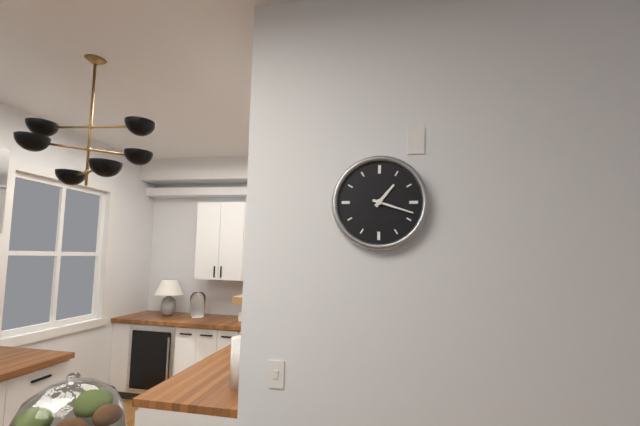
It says 1:18
